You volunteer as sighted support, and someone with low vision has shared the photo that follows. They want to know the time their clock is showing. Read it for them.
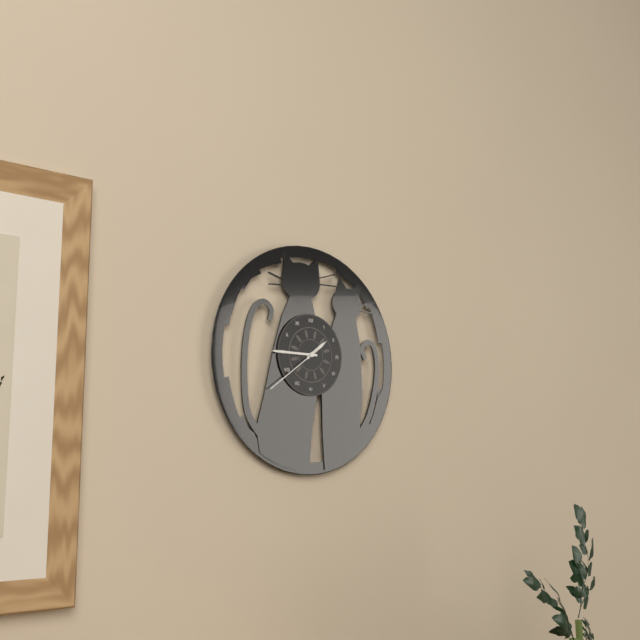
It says 1:45:39
